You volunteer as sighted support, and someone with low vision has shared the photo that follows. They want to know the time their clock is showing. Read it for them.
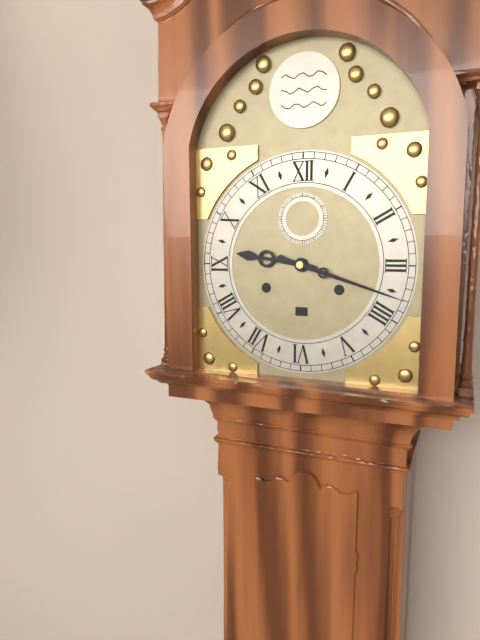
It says 9:18
